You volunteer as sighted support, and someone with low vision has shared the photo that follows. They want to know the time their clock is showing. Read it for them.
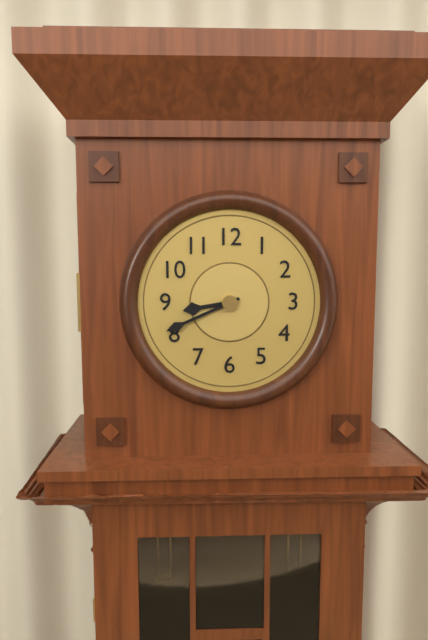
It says 8:41
